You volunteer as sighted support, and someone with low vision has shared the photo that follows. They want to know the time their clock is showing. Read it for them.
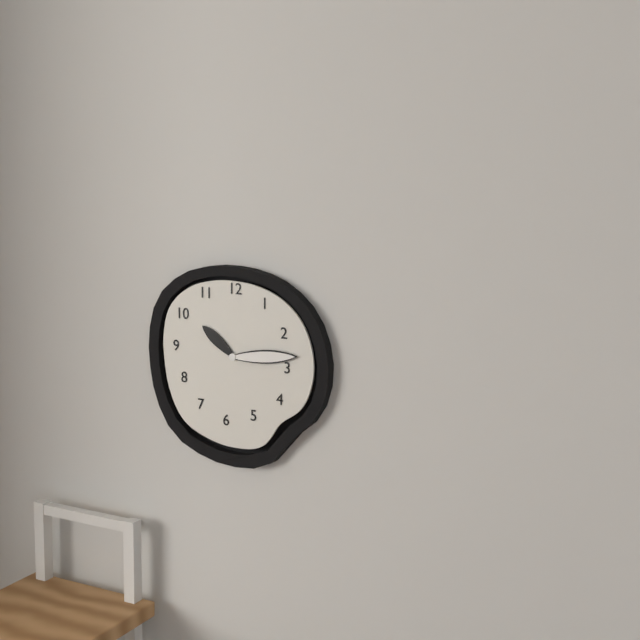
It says 10:14
